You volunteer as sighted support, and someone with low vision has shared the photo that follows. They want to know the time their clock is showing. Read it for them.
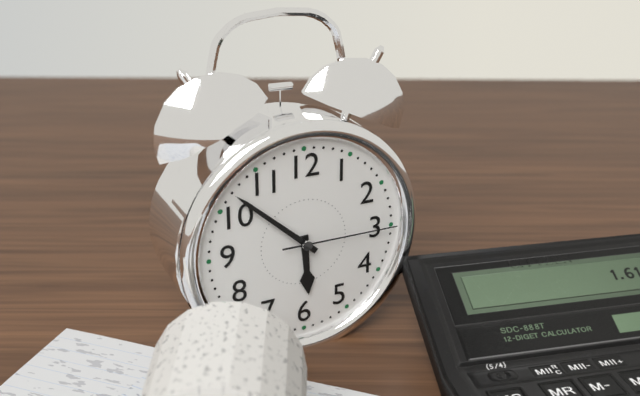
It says 5:52:15
